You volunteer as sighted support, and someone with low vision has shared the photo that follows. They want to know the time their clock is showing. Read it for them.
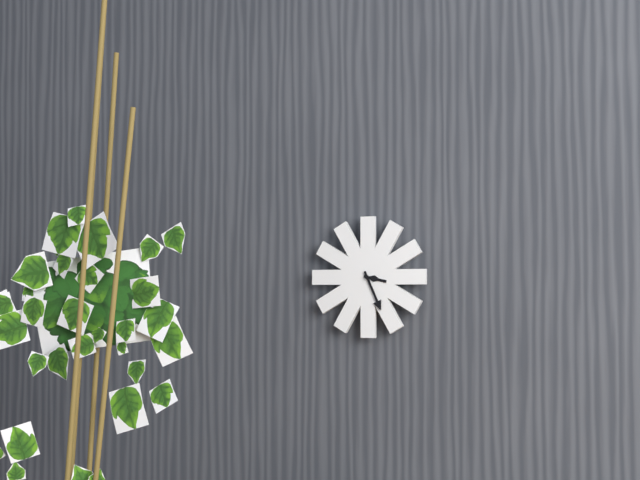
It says 3:26
